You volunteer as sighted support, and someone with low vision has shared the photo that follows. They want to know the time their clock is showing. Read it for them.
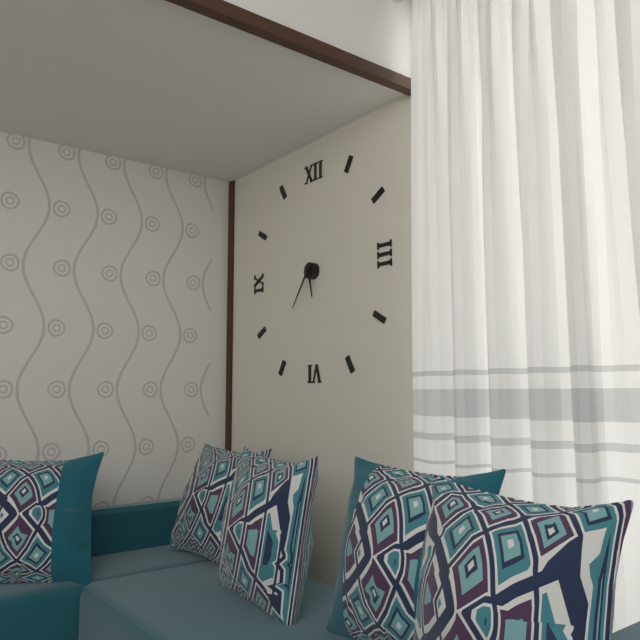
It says 5:36
